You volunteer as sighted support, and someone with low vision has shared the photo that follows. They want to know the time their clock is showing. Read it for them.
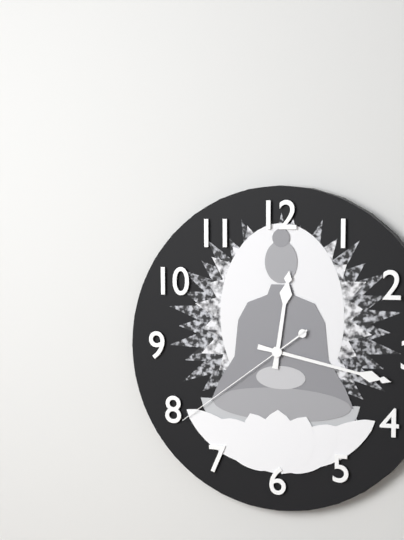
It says 12:17:39
